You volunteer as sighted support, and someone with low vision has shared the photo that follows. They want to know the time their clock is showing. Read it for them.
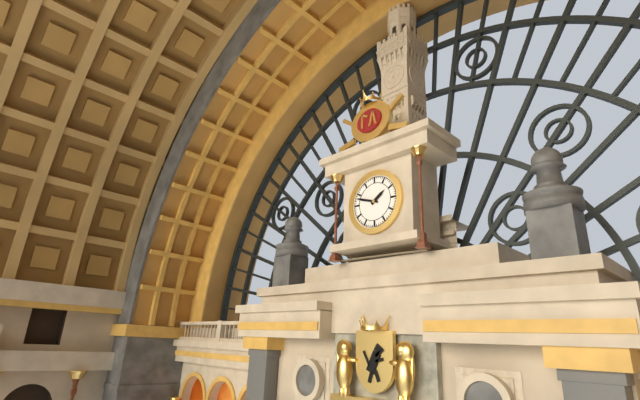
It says 1:48
